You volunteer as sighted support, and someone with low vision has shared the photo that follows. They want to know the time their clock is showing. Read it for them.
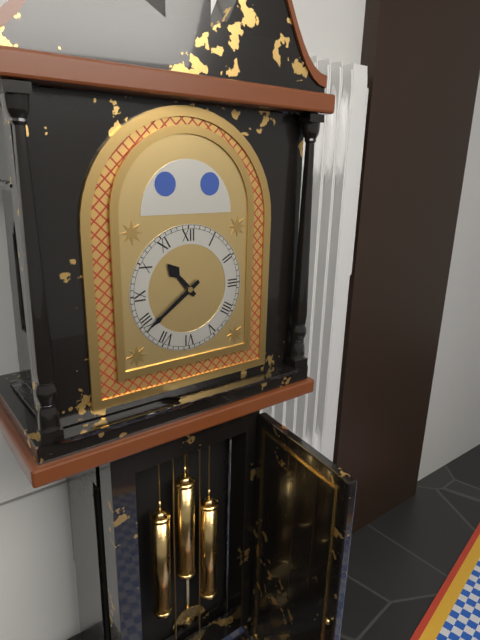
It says 10:39
